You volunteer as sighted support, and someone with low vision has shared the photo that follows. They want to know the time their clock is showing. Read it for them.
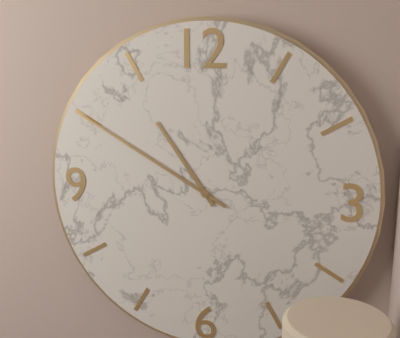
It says 10:50
